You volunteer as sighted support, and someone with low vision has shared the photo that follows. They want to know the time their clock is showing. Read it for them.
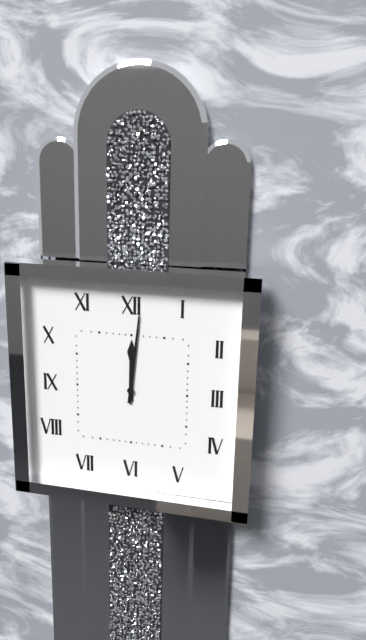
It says 12:01
